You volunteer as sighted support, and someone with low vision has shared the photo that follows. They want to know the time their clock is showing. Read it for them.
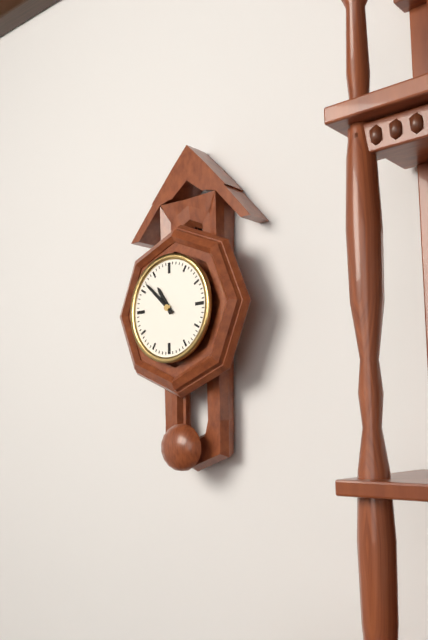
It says 10:52
